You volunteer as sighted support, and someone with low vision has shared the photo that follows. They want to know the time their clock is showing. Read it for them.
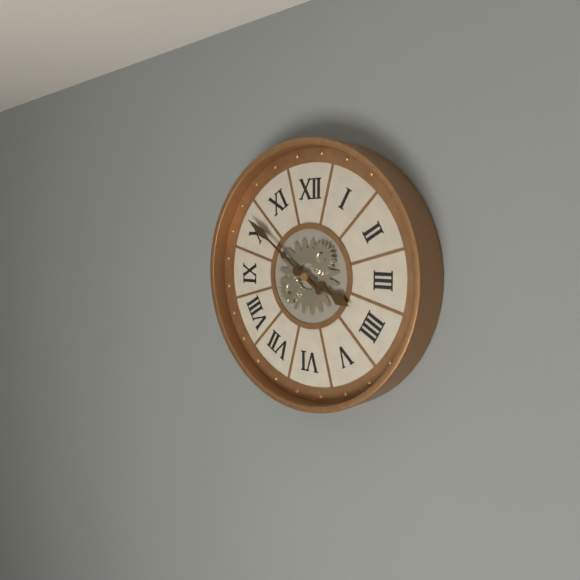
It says 3:51
